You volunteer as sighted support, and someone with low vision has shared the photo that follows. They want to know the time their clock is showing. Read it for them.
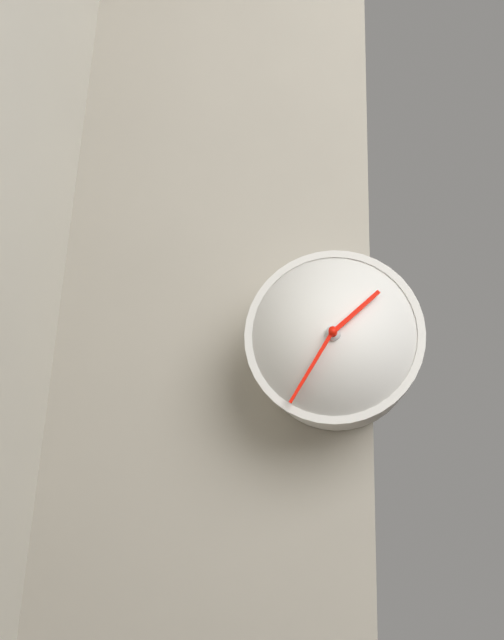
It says 1:35
